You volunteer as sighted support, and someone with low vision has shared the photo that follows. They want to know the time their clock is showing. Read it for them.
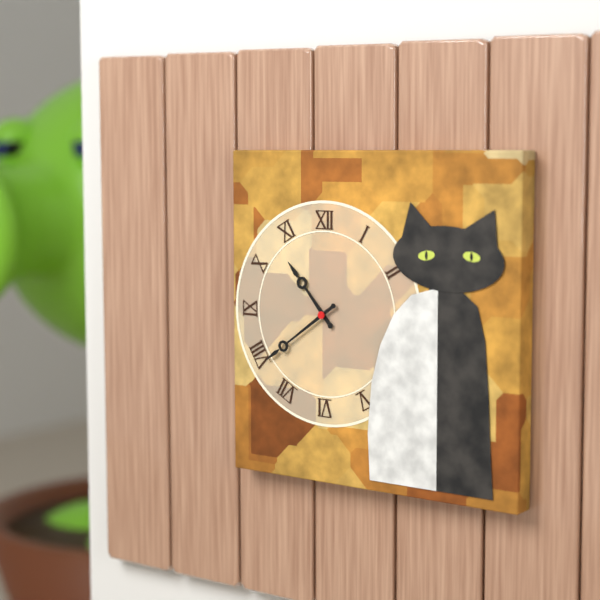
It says 10:39
